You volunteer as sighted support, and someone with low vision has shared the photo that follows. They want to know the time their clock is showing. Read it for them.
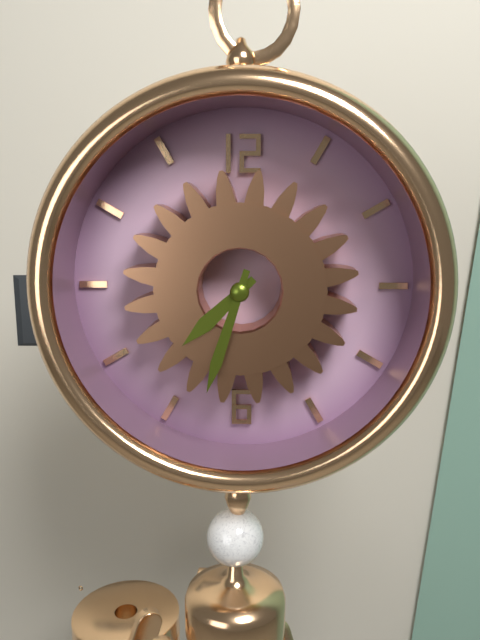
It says 7:33
